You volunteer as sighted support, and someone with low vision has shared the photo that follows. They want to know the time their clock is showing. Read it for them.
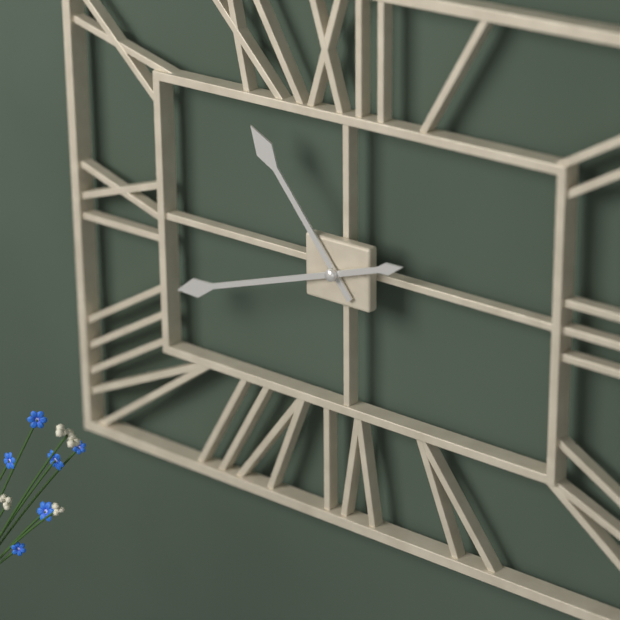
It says 10:42
